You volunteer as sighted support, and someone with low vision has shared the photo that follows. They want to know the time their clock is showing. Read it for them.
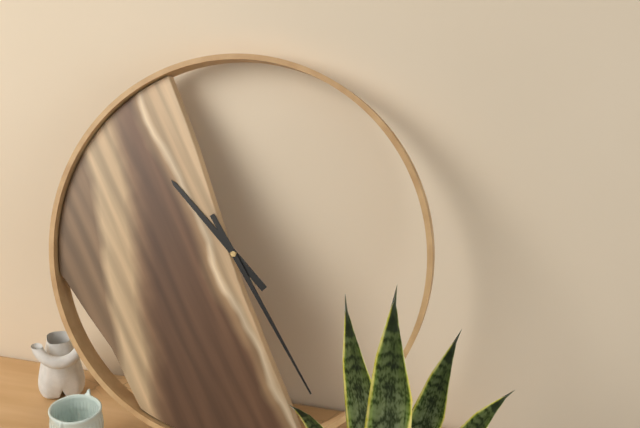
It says 10:24
